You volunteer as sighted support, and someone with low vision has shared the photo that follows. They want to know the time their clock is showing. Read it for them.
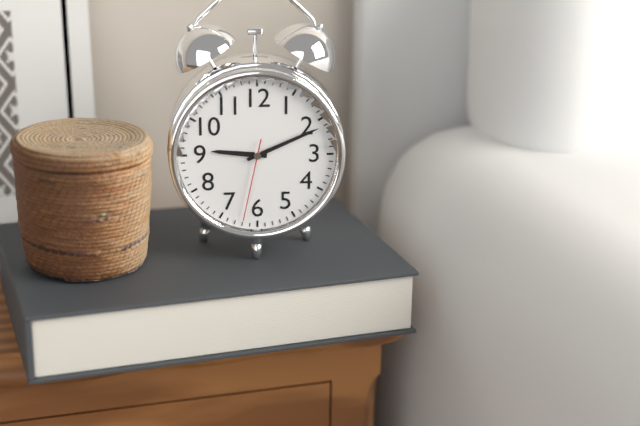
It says 9:11:32
